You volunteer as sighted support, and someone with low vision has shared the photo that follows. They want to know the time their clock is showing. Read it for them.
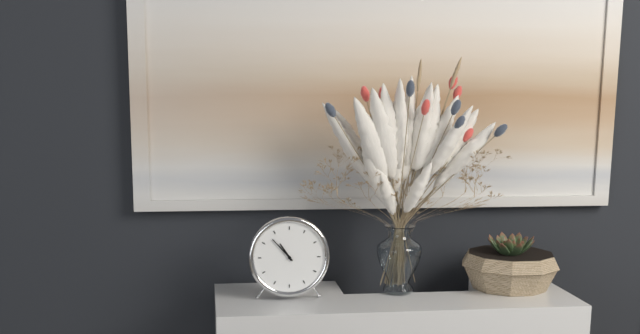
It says 10:53
